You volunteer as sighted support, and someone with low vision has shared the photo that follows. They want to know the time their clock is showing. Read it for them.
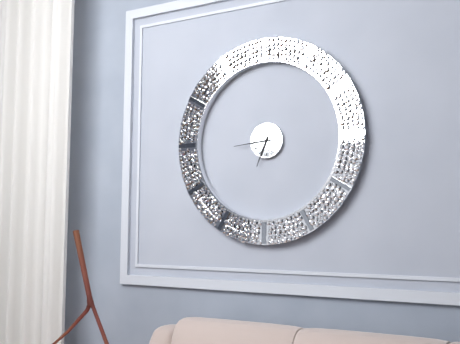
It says 6:44
